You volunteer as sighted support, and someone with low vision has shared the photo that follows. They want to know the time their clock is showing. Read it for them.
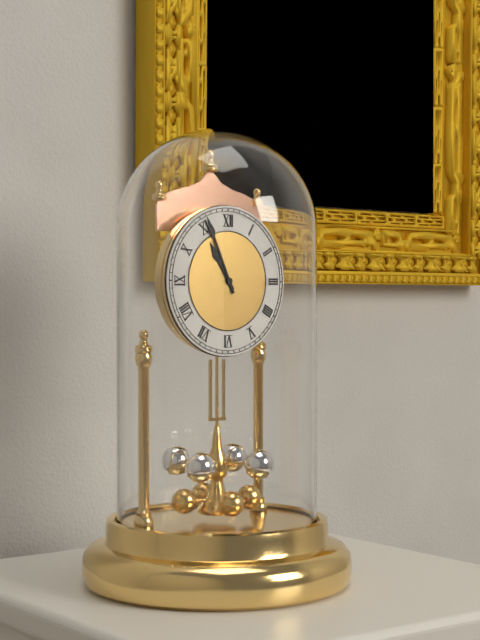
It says 10:56
